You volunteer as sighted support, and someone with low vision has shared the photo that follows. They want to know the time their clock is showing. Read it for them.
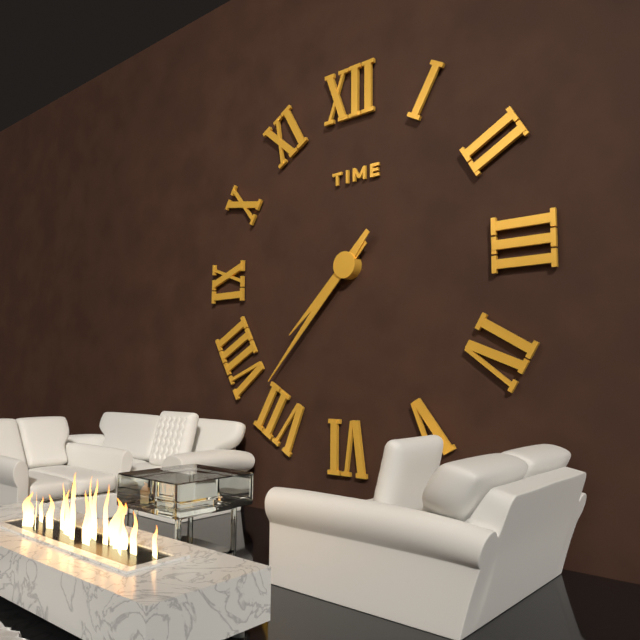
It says 7:37
